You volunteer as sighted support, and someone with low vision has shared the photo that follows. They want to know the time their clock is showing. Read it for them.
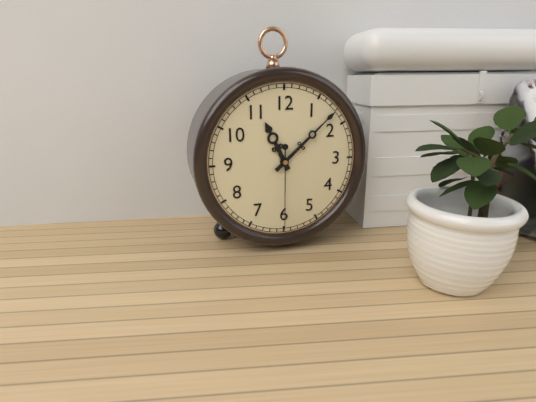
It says 11:08:30
